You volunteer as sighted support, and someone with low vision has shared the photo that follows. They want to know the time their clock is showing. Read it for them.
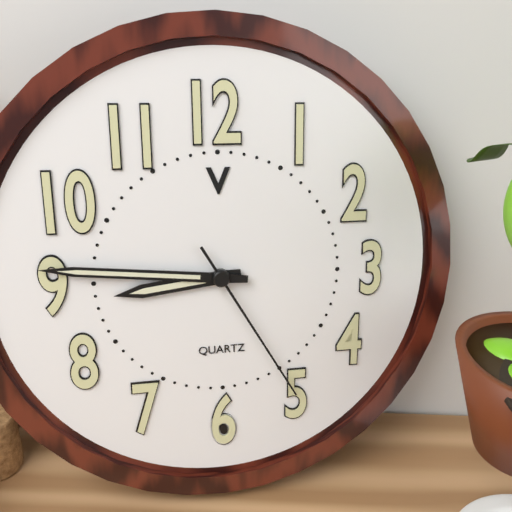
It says 8:46:25
